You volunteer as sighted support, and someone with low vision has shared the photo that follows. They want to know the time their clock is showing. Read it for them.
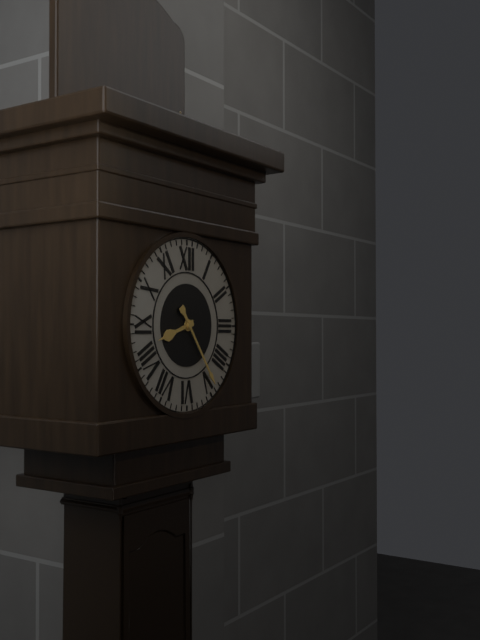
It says 8:24
